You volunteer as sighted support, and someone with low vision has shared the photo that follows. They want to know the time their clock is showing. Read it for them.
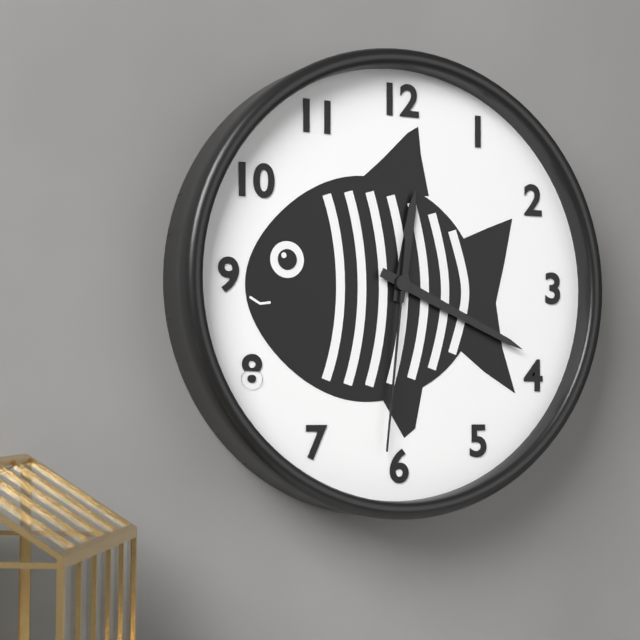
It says 12:19:31
